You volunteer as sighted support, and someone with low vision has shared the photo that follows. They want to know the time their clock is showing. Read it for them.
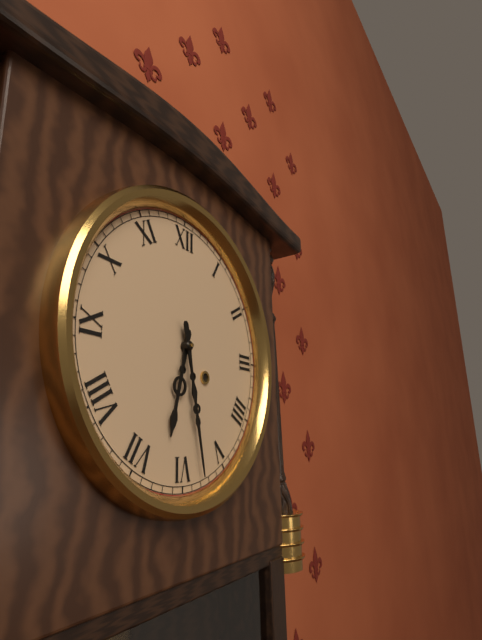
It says 6:28
